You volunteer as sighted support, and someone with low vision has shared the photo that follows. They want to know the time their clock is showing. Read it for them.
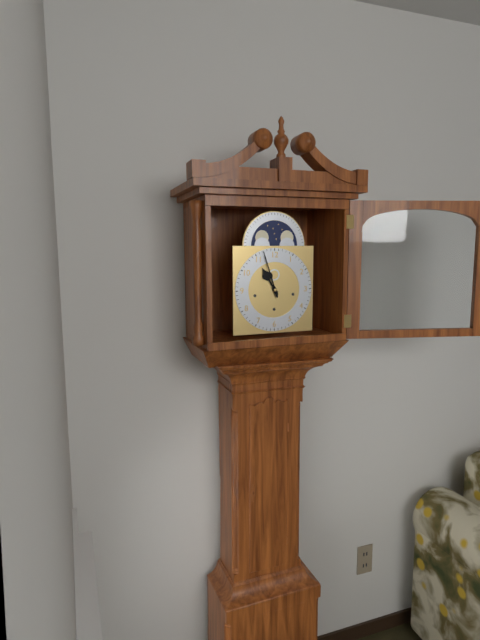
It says 10:57
